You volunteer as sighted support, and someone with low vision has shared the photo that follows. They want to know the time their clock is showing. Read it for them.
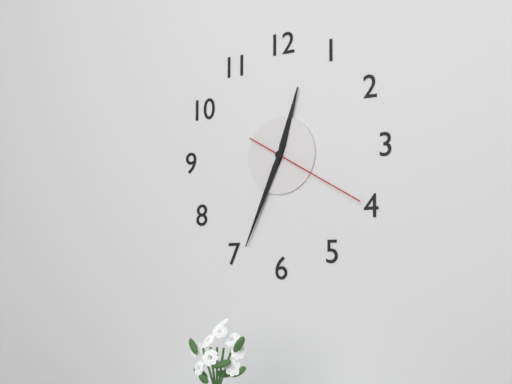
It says 12:34:20
